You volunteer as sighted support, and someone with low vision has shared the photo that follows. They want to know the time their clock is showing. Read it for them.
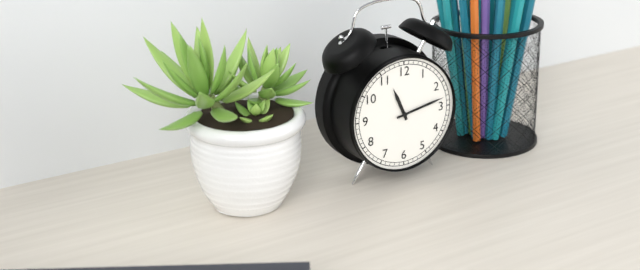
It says 11:13
